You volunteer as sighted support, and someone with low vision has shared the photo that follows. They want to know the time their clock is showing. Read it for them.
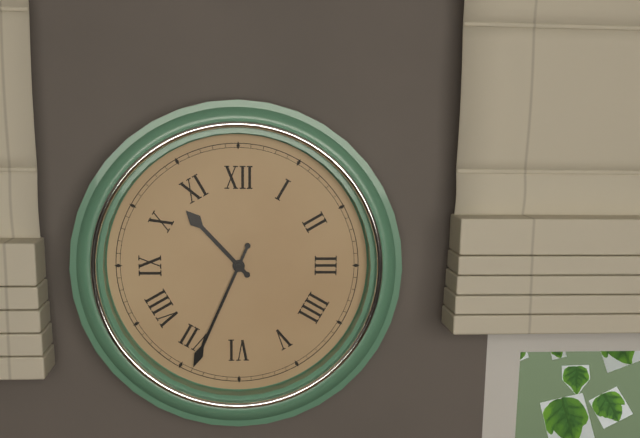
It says 10:34
